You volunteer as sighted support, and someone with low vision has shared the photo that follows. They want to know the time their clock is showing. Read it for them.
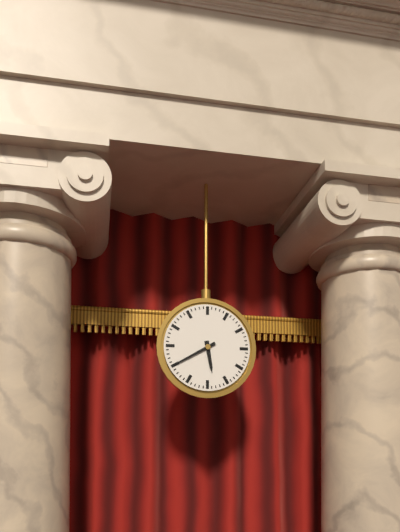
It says 5:40
